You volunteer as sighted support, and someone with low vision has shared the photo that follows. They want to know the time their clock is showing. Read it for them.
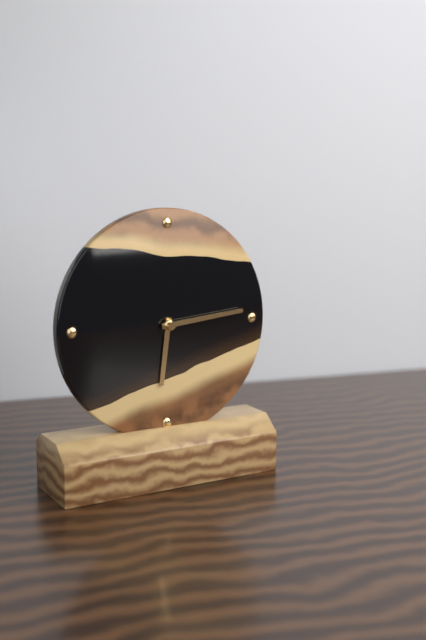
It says 6:14
